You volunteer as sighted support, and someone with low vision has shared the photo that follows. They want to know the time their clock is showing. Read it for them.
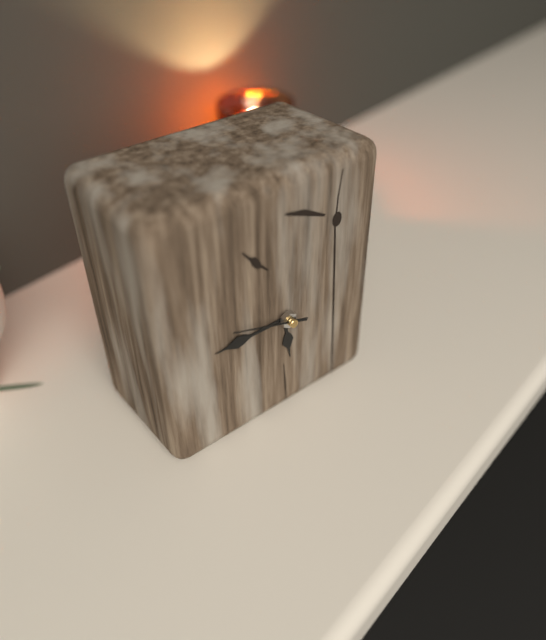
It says 5:45:48
